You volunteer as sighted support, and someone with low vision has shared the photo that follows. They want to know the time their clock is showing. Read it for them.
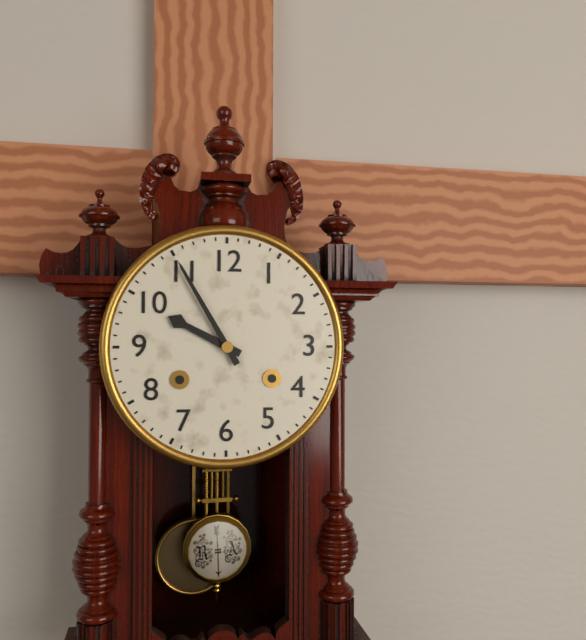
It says 9:55
